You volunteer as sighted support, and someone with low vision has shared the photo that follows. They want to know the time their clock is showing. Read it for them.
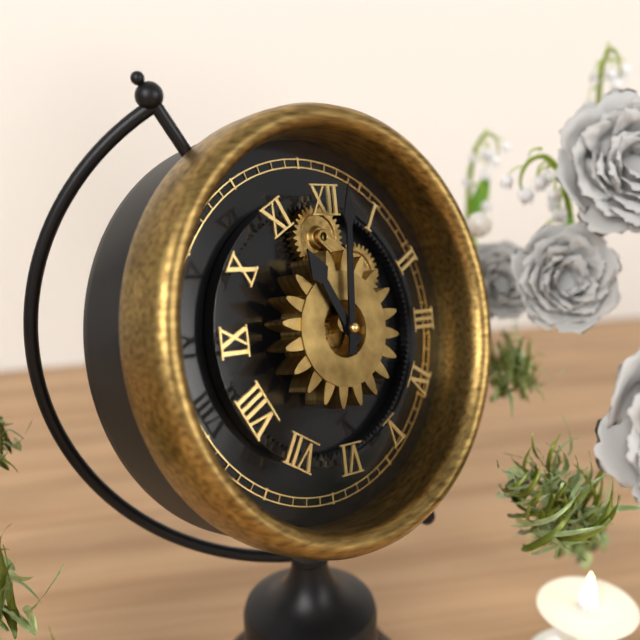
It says 11:01
